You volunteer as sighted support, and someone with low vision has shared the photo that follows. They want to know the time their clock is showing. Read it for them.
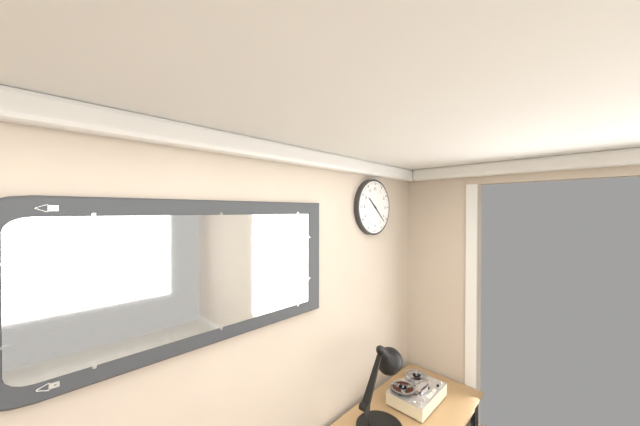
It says 10:22
